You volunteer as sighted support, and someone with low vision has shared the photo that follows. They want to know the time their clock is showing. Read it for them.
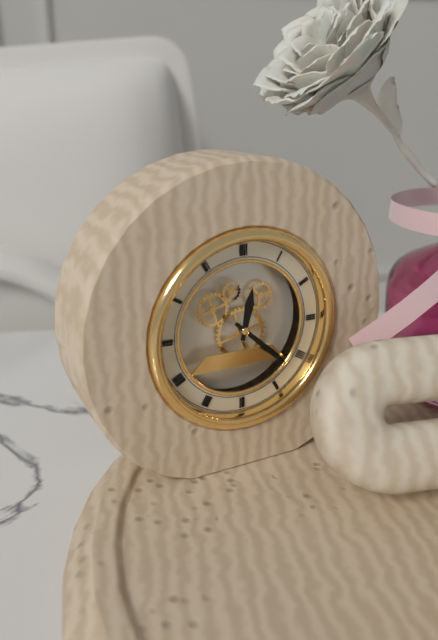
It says 12:22
